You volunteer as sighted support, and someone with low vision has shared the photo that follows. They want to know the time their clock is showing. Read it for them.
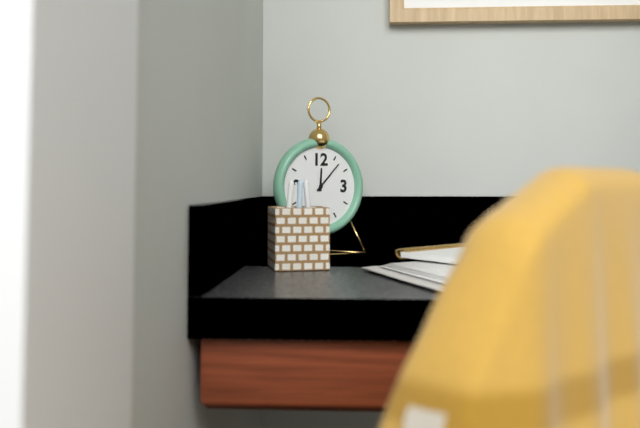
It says 12:07
